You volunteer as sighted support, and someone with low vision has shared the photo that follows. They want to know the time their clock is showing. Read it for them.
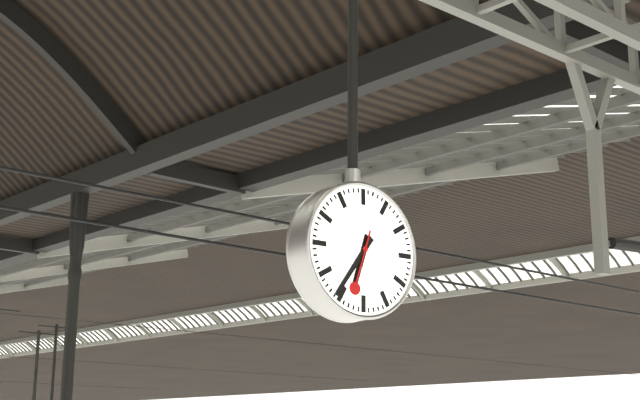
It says 6:36:33
